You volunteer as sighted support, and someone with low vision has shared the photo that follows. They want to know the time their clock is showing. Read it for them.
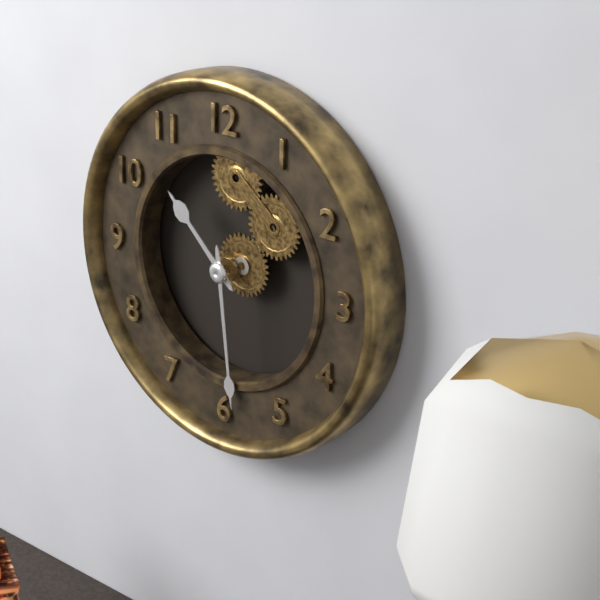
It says 10:29
